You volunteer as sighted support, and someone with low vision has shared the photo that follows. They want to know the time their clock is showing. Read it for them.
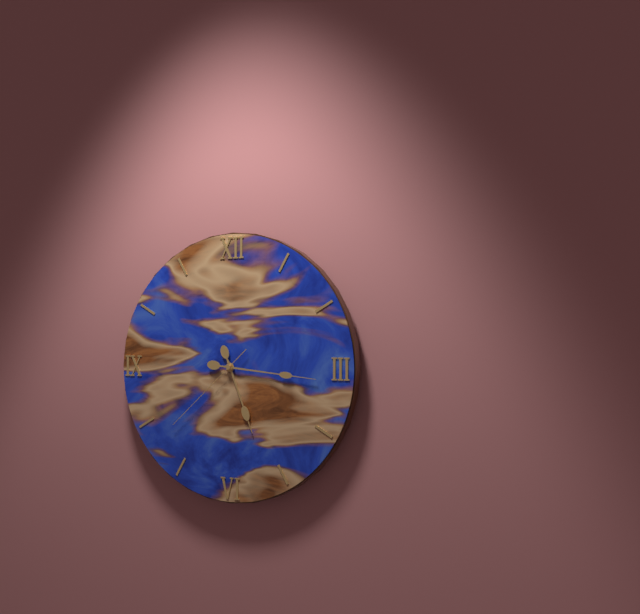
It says 5:16:38
